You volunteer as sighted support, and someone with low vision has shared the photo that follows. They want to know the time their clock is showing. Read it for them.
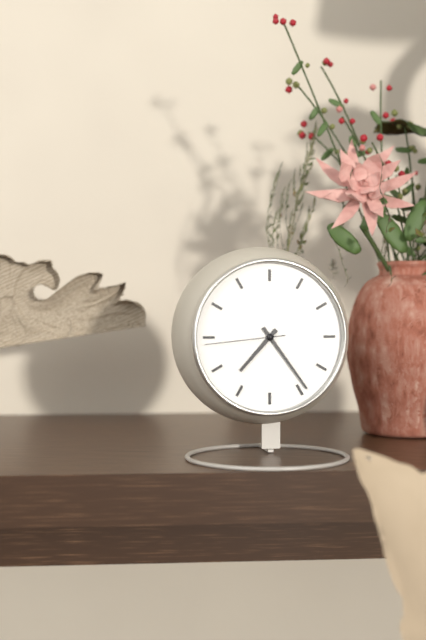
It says 7:24:44
